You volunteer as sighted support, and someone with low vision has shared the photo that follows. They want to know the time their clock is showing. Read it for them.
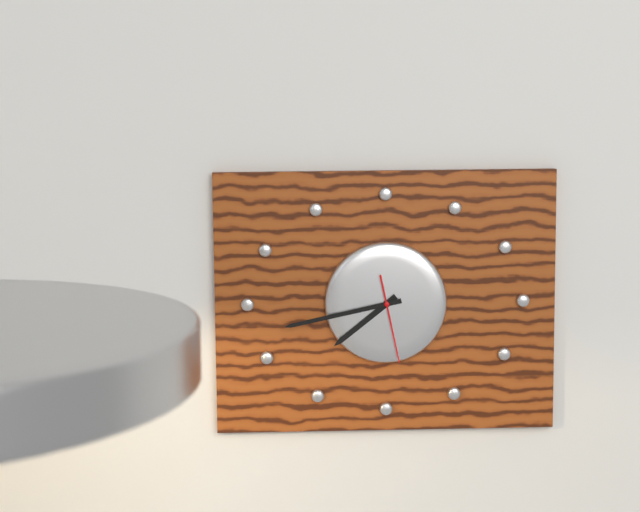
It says 7:43:28
